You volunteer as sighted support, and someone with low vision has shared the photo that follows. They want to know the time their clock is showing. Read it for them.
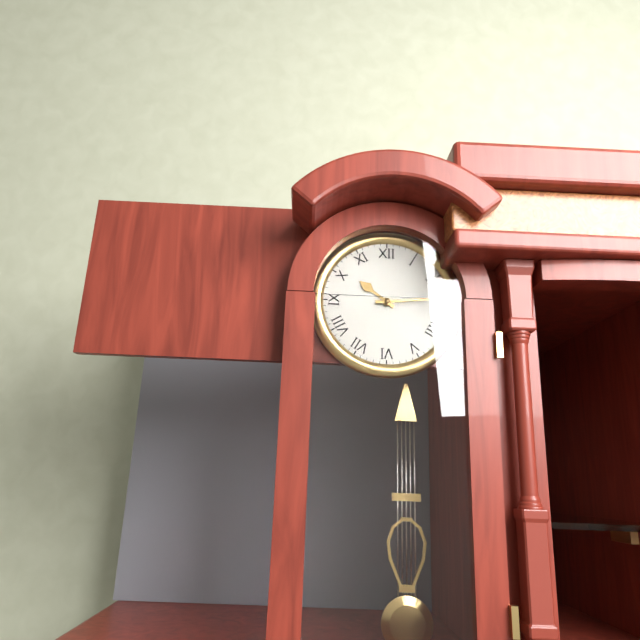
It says 10:14
